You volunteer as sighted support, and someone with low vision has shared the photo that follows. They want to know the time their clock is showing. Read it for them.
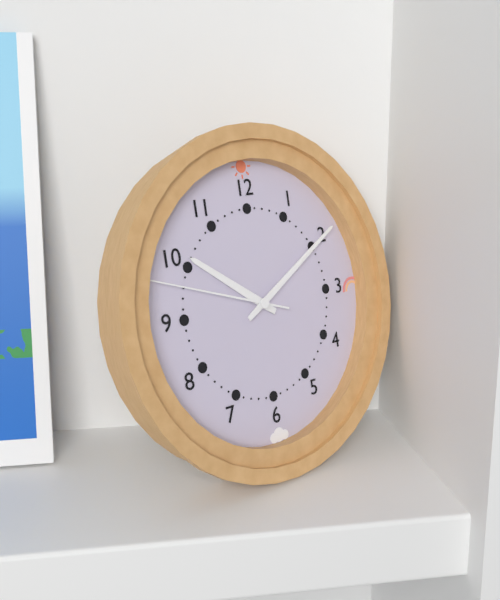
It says 10:10:48
